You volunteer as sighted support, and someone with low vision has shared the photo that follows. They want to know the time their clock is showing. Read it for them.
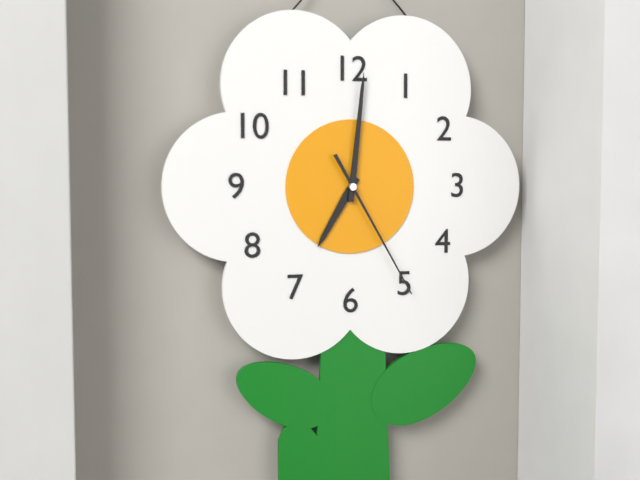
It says 7:01:25
